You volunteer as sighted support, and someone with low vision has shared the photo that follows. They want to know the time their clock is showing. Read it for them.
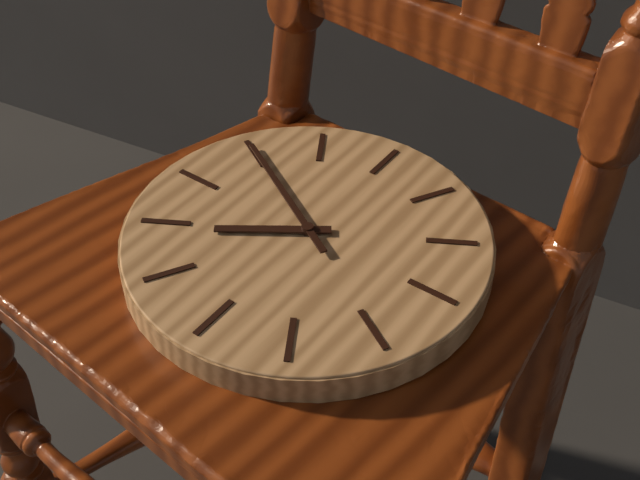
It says 7:50
